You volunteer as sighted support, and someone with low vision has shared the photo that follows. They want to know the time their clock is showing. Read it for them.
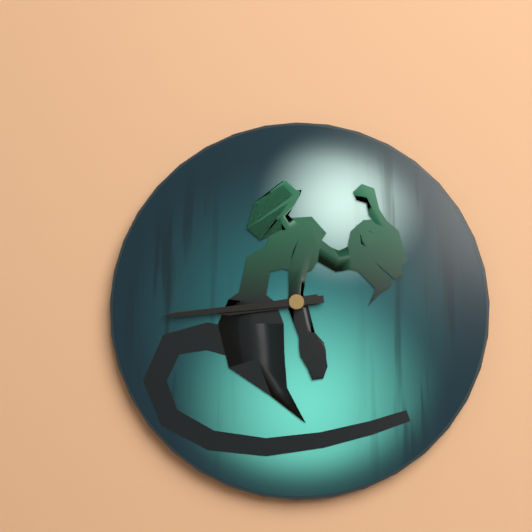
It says 8:44
